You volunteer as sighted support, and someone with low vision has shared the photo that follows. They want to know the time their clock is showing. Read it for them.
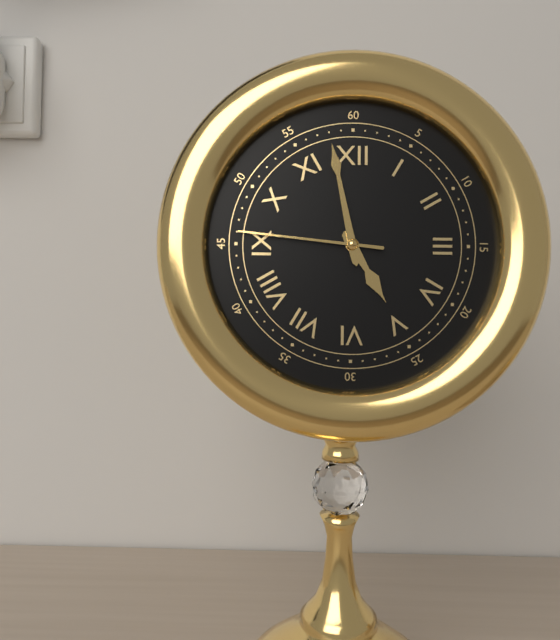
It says 4:58:46
